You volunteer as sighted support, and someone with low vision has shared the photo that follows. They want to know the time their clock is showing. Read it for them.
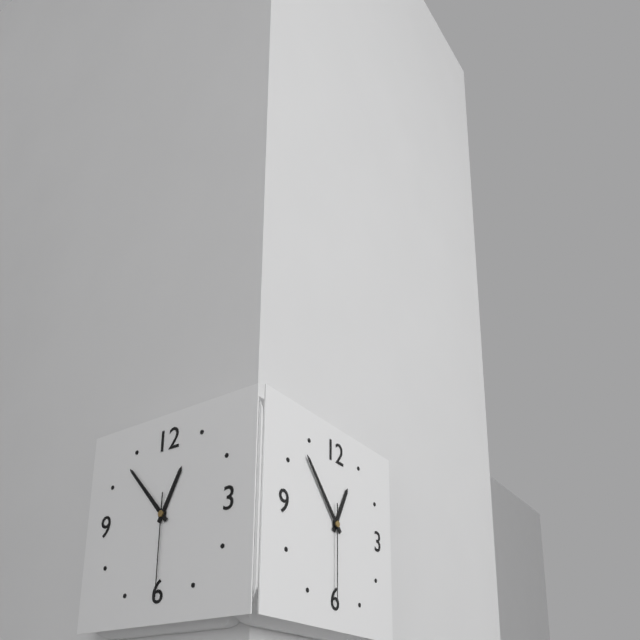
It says 12:53:30
